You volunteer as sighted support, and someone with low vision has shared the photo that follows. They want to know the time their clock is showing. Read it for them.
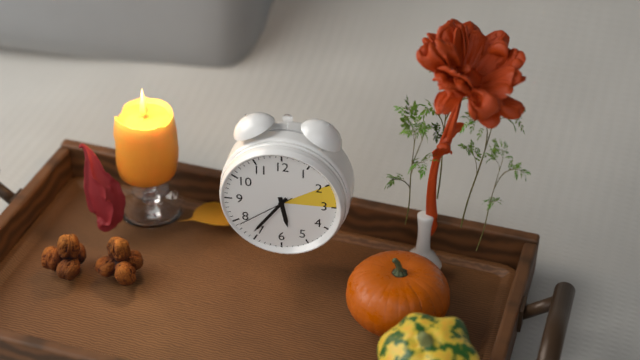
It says 5:36:39
